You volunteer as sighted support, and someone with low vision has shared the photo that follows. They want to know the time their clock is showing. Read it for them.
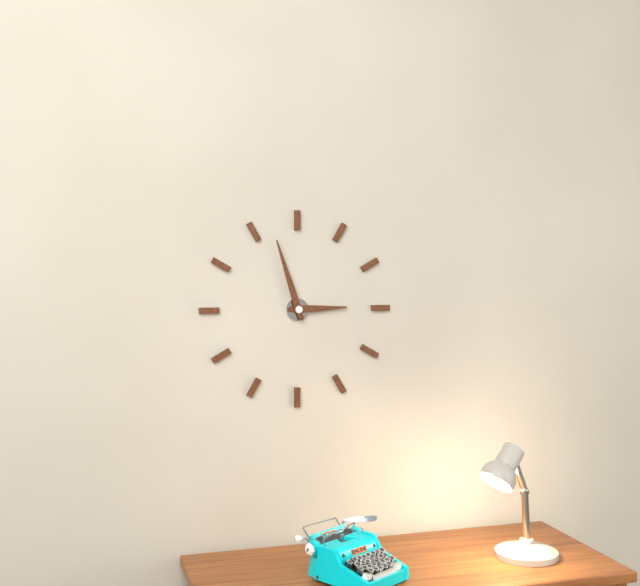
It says 2:57
